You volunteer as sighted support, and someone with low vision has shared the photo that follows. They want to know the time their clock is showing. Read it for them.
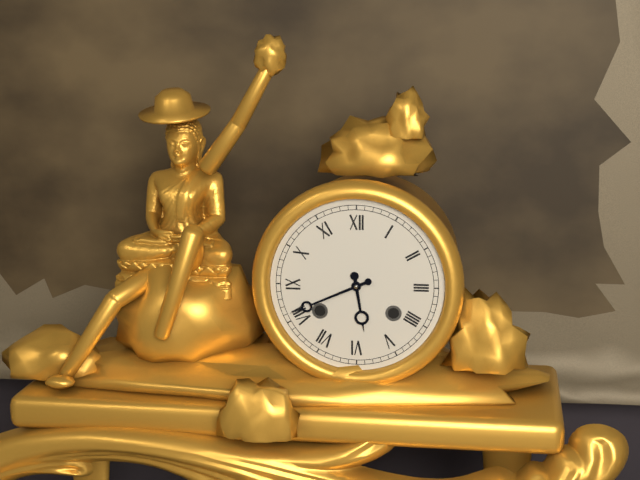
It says 5:41
